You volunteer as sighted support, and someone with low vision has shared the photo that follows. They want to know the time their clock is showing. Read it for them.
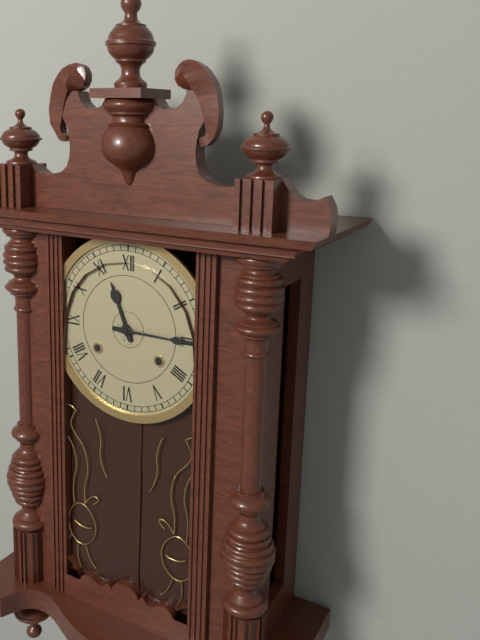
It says 11:15
